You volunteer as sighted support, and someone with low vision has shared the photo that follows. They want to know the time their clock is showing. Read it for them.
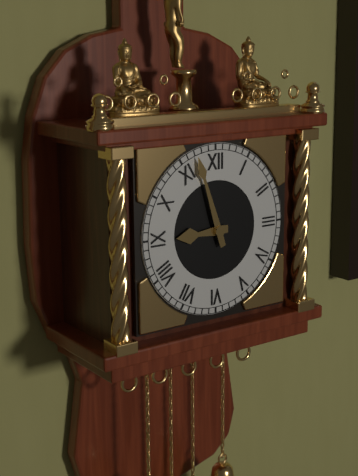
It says 8:57
